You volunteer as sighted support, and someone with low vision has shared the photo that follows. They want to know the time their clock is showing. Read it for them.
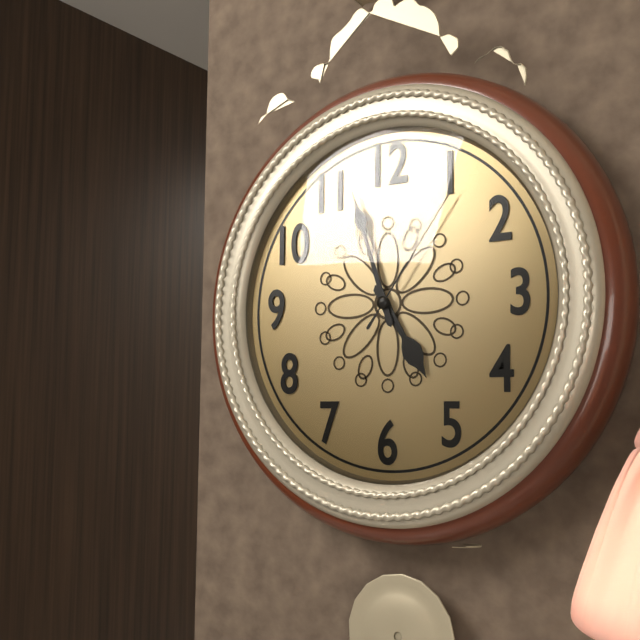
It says 4:57:06
